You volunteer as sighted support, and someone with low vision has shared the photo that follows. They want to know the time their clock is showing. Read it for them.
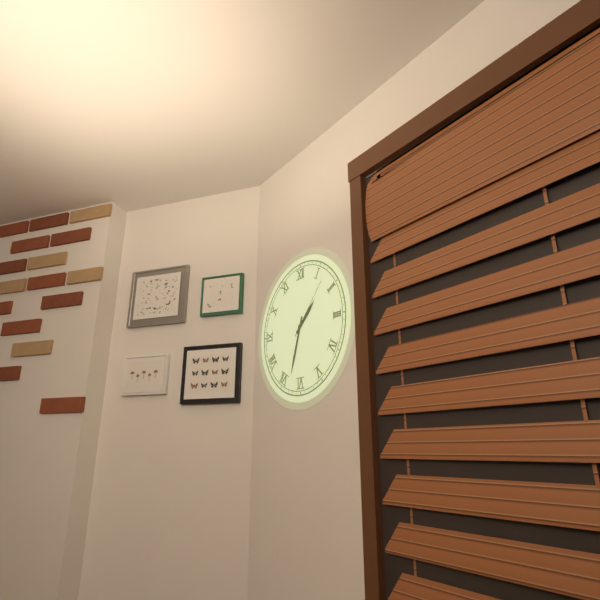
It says 1:33:07
